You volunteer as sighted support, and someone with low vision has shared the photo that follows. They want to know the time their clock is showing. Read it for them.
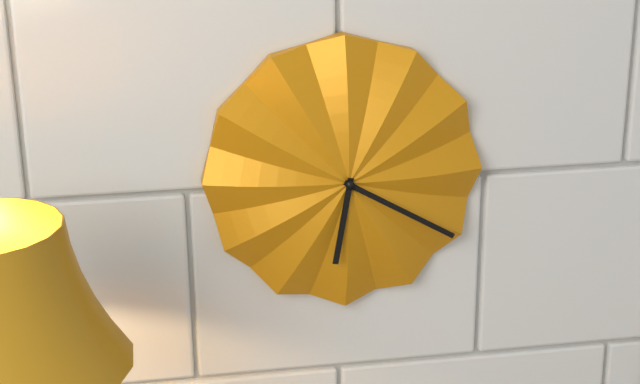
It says 6:20
